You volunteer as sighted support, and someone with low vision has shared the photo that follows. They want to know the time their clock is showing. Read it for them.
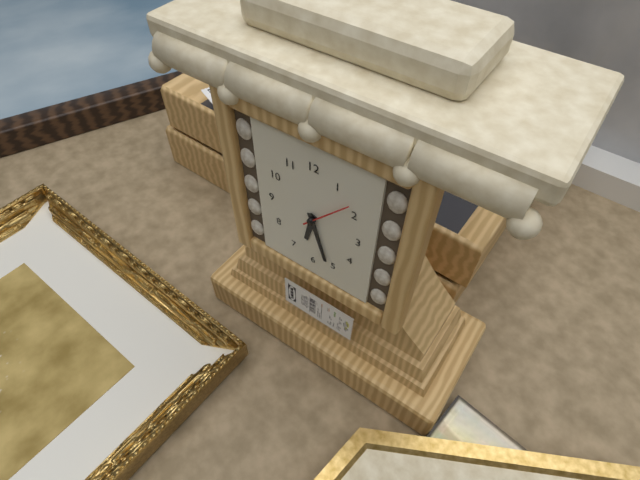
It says 6:27:07
